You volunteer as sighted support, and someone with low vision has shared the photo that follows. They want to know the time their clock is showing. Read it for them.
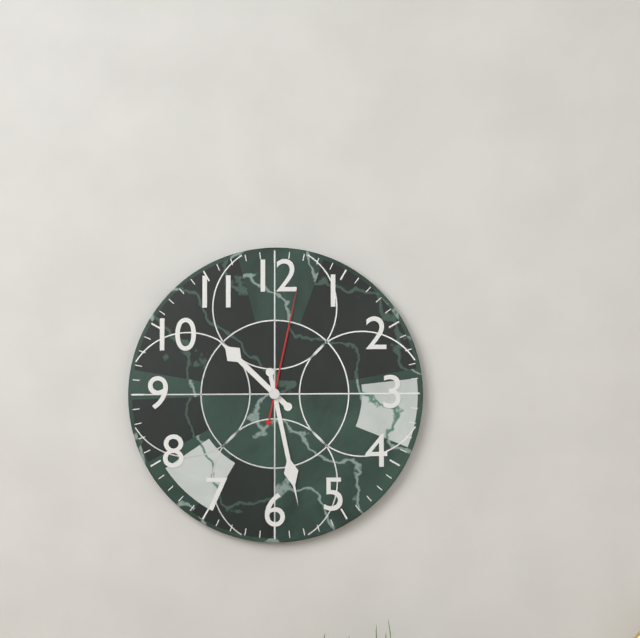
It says 10:28:02
